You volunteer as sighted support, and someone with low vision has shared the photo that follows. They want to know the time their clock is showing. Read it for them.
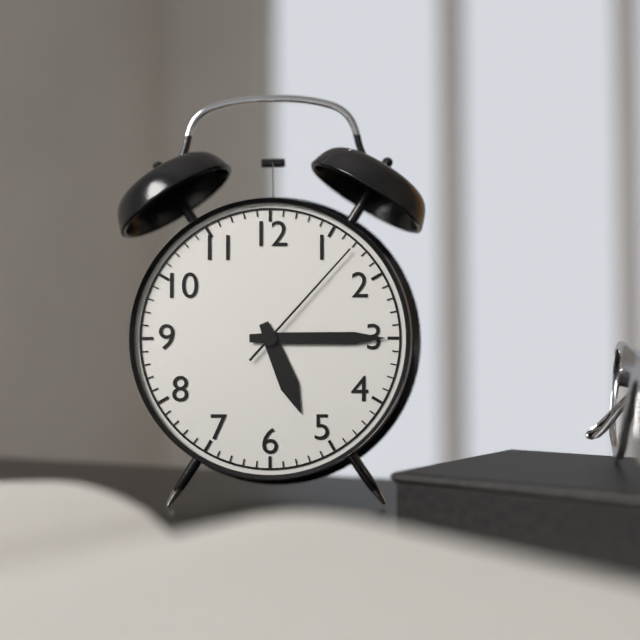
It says 5:15:07
